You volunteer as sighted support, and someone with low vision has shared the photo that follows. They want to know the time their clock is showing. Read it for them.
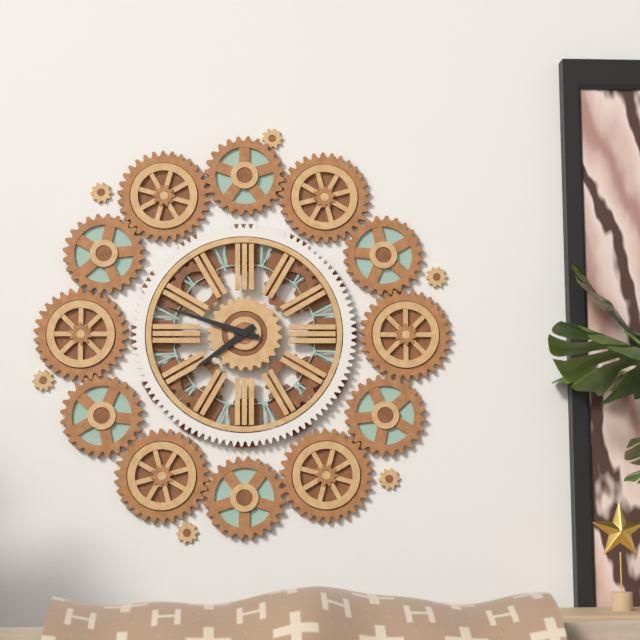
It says 7:48
